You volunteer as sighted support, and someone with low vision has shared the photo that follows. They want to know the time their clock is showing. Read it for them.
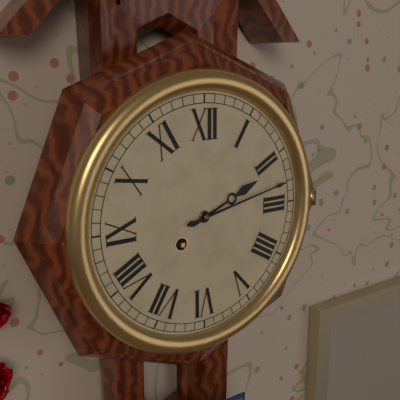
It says 2:13
